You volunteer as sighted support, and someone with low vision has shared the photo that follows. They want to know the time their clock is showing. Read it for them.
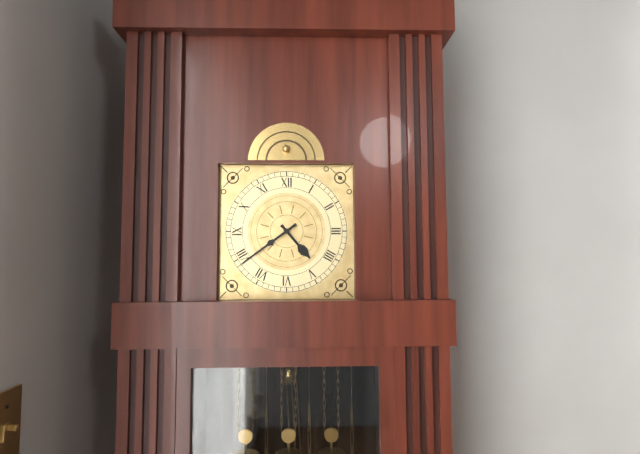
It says 4:39
